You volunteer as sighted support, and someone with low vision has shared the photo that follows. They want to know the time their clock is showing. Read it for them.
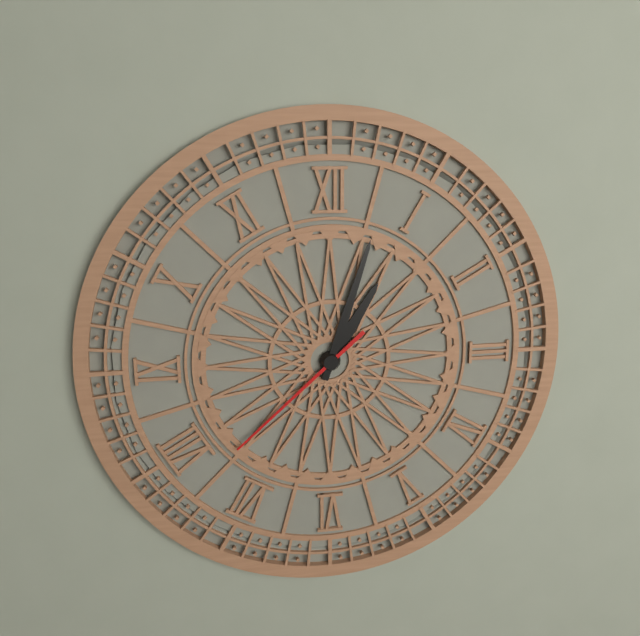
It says 1:03:38
